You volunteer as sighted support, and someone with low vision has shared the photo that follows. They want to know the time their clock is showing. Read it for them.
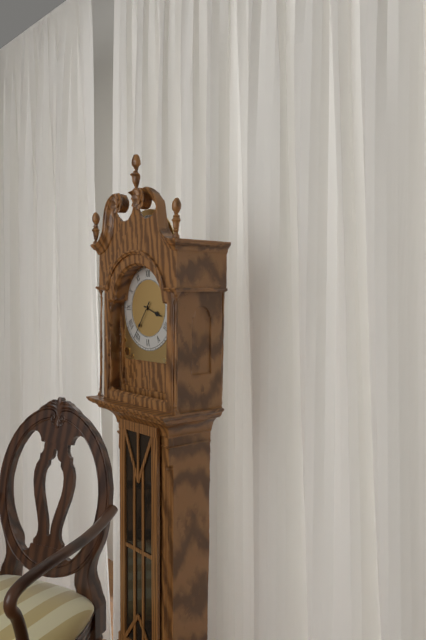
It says 3:36
